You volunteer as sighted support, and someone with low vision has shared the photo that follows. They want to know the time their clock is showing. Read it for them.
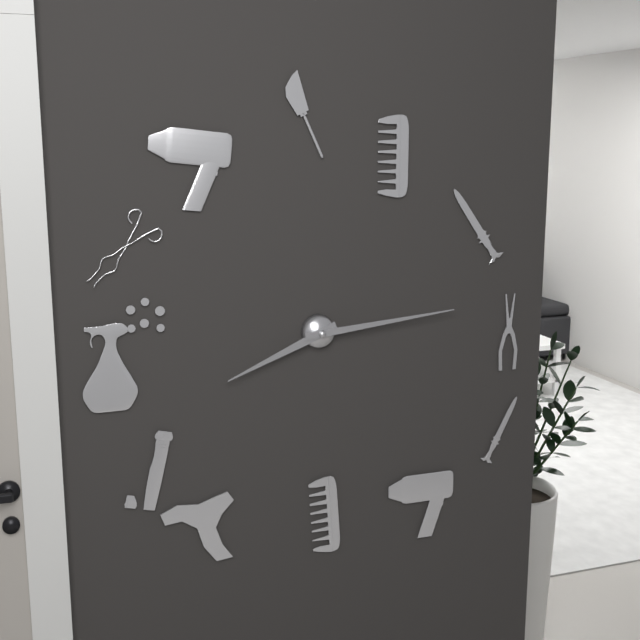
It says 8:14
